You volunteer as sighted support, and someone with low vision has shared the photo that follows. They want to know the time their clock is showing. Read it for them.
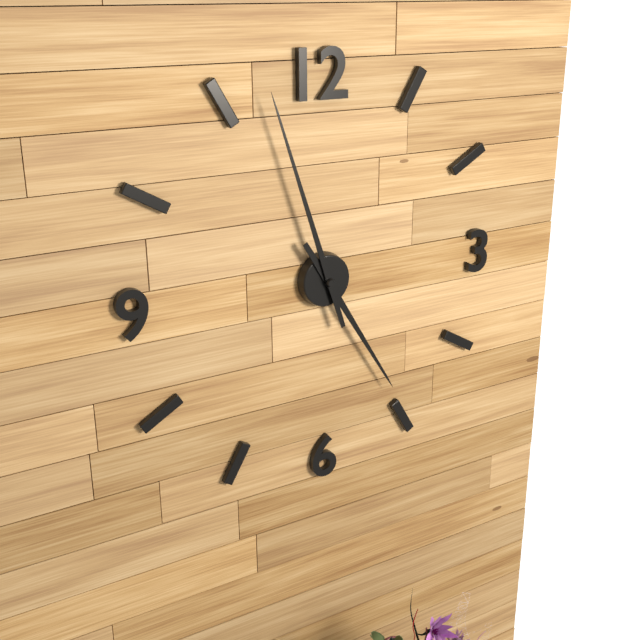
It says 4:57
